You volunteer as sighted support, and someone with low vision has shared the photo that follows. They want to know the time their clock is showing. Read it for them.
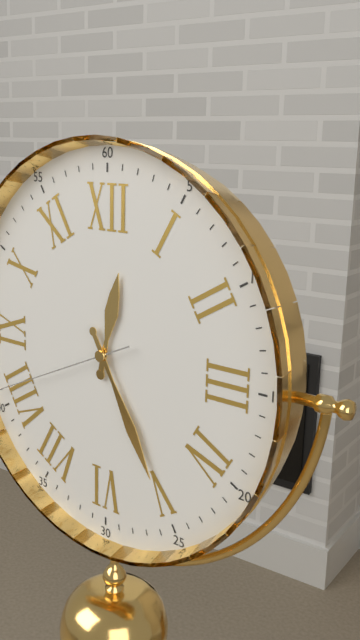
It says 12:25
